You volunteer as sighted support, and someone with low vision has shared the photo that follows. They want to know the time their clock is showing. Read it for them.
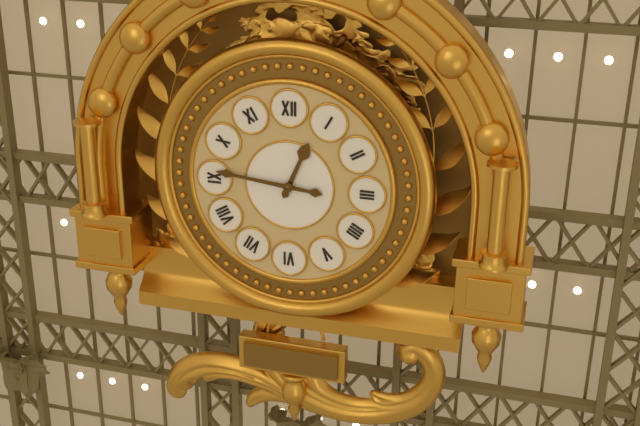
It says 12:46
